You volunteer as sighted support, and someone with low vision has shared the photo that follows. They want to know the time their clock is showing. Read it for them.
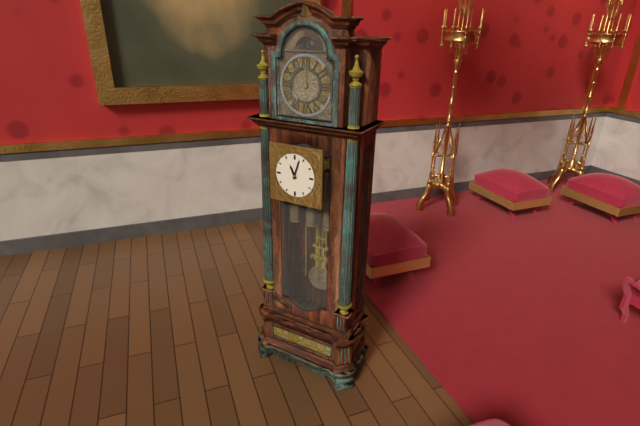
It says 11:03
